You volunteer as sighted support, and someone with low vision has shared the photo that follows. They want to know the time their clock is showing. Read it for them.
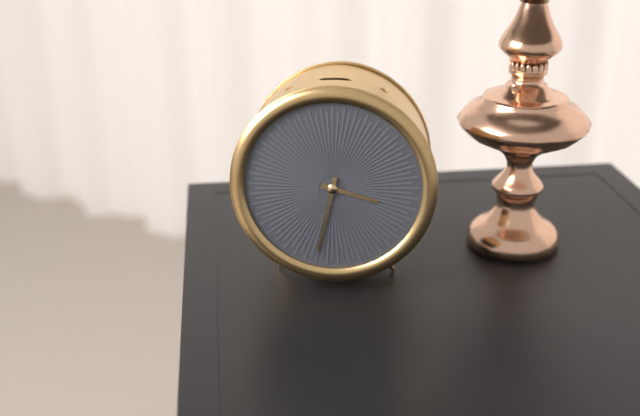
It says 3:32
